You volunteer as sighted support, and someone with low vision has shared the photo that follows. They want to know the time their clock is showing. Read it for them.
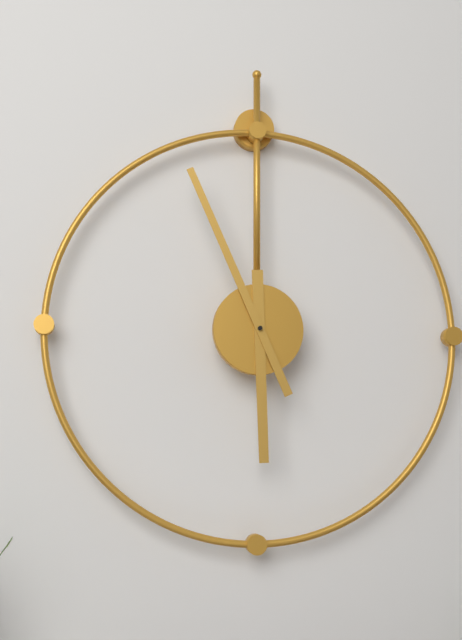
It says 5:56
